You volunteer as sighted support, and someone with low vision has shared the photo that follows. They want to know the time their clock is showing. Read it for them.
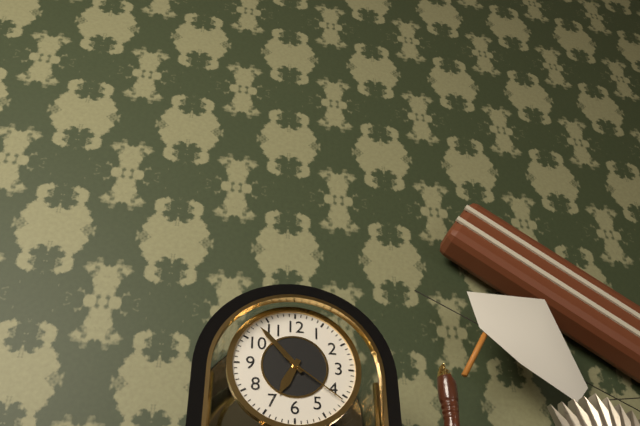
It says 6:53:21
